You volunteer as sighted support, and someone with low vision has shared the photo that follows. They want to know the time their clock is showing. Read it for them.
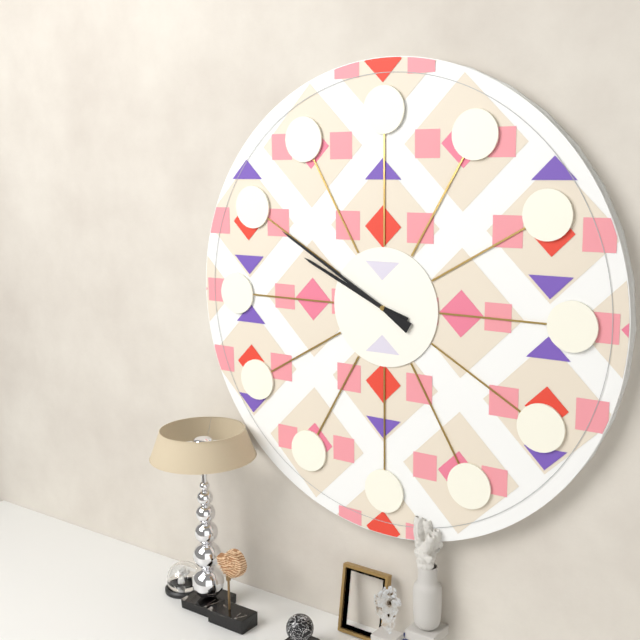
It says 9:50
